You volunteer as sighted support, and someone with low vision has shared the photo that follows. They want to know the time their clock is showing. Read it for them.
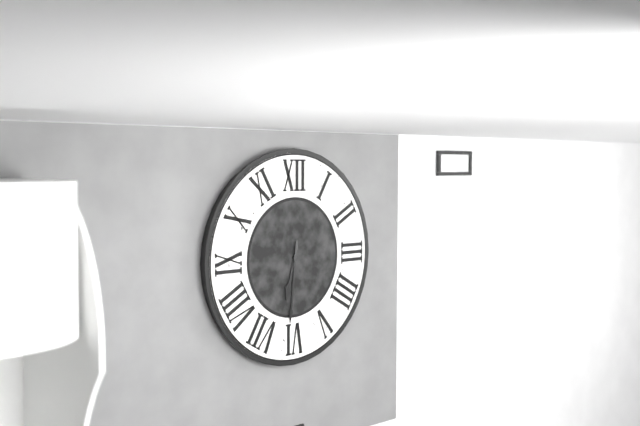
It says 6:31
